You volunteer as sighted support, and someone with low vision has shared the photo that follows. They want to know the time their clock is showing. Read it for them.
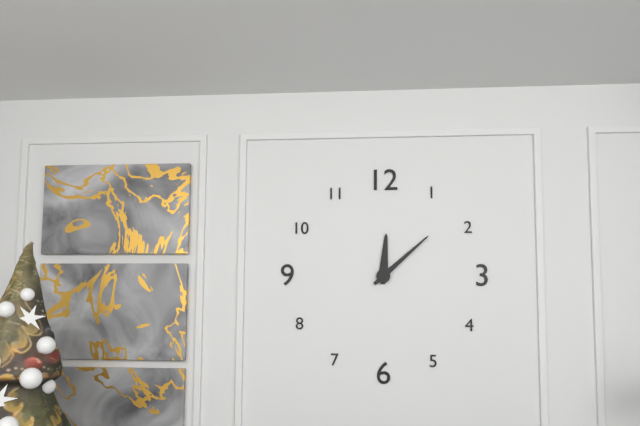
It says 12:08
